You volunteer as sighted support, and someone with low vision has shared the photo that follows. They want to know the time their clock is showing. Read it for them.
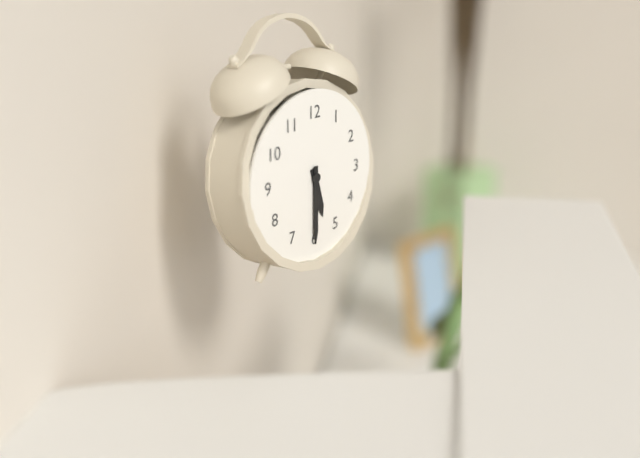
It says 5:30
